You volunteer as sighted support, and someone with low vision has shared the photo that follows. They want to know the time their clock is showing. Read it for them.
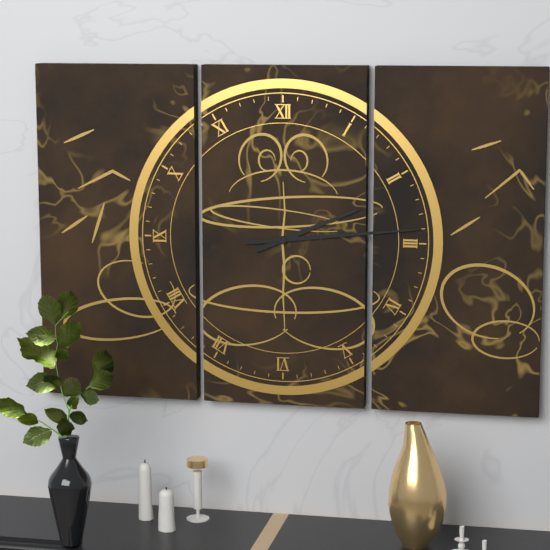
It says 2:14
